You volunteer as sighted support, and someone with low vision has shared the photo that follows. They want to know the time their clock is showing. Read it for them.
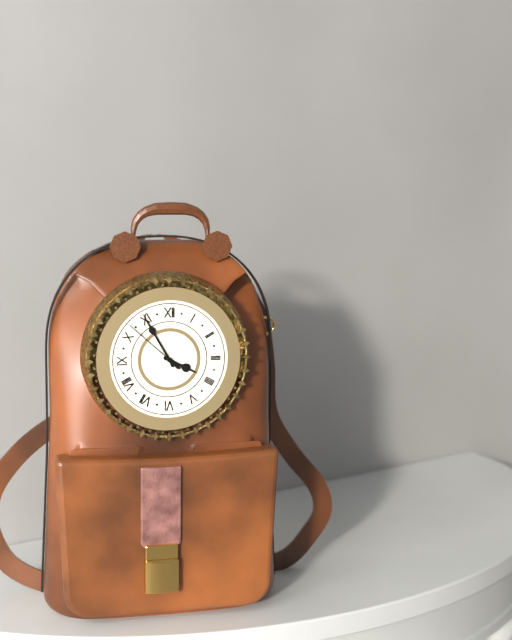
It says 3:55:52
